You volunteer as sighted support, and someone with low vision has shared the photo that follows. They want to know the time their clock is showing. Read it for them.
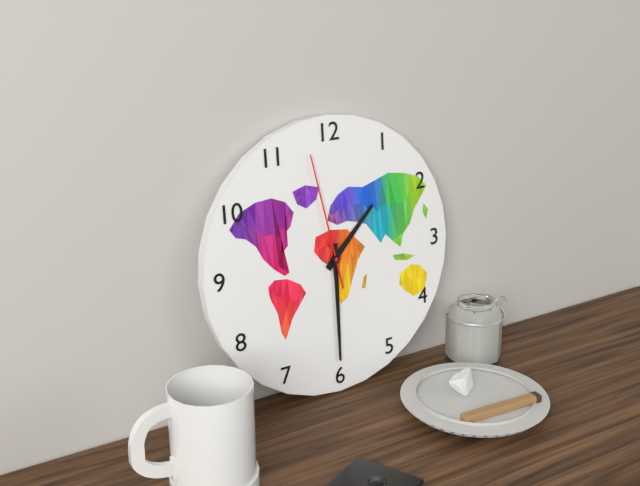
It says 1:30:58
